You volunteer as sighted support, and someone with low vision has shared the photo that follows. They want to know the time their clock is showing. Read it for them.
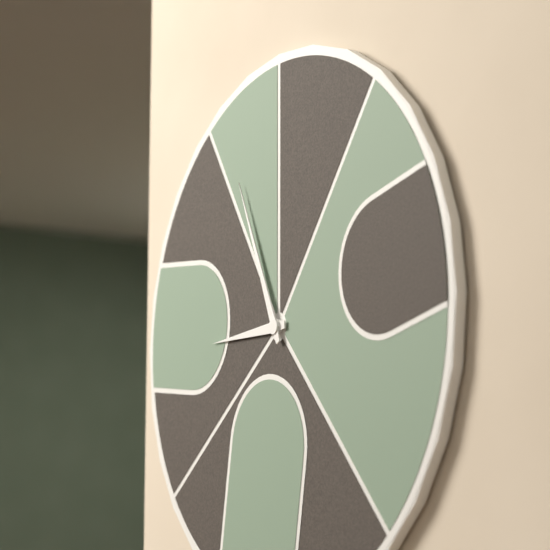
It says 8:56
